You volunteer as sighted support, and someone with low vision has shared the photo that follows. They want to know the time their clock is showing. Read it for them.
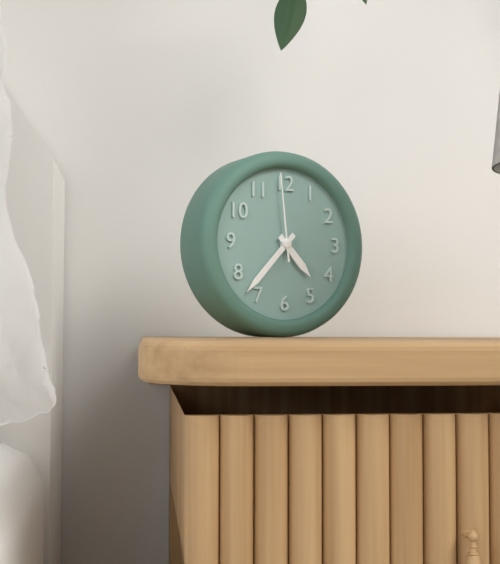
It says 4:37:59
